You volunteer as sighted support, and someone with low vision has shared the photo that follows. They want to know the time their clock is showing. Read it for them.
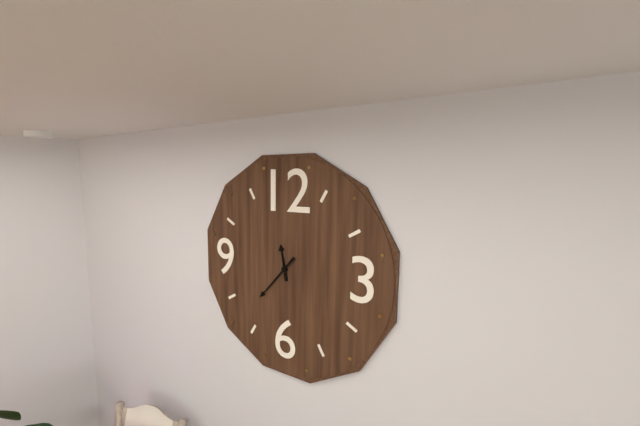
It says 11:37
